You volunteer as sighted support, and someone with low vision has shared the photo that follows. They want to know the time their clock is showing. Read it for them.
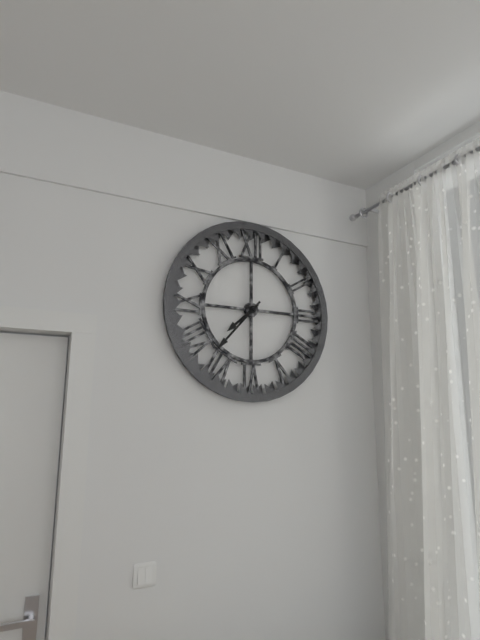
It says 7:37
